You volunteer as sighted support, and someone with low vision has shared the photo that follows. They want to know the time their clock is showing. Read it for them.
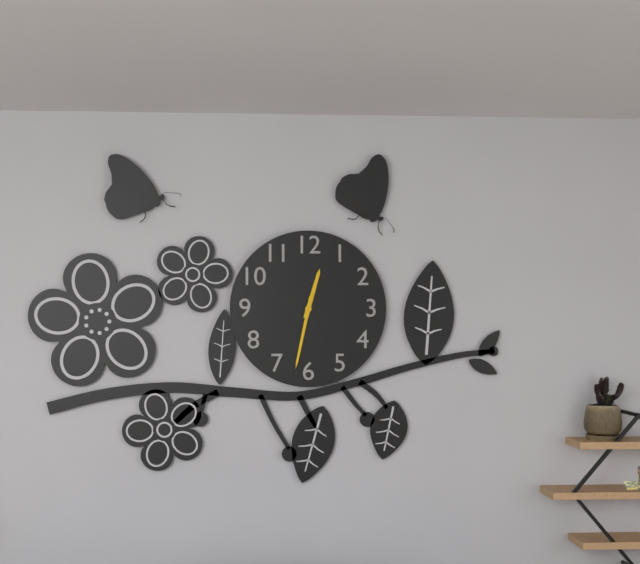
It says 12:32
